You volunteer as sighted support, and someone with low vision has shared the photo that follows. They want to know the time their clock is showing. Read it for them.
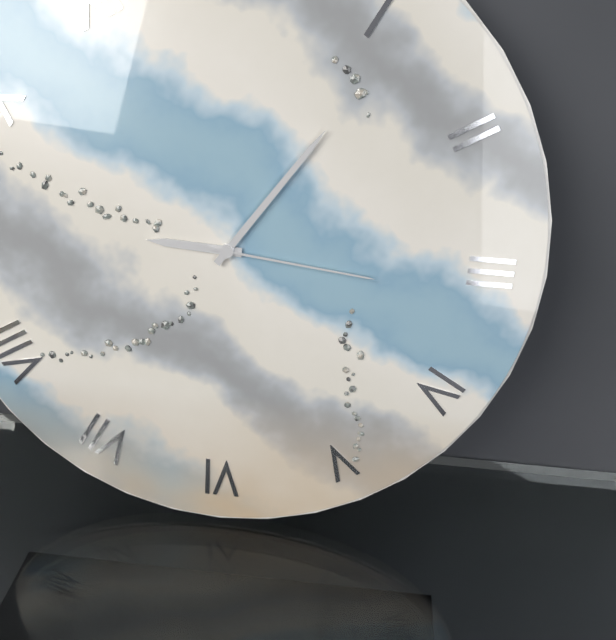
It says 9:06:16
